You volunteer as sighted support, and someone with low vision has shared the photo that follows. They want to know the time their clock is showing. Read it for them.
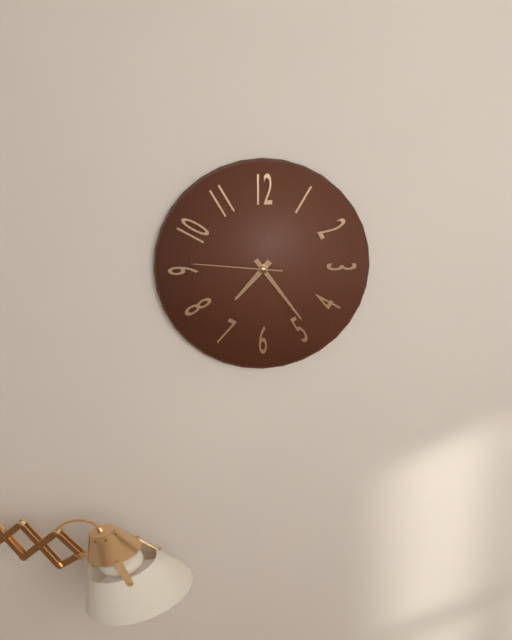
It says 7:24:46
